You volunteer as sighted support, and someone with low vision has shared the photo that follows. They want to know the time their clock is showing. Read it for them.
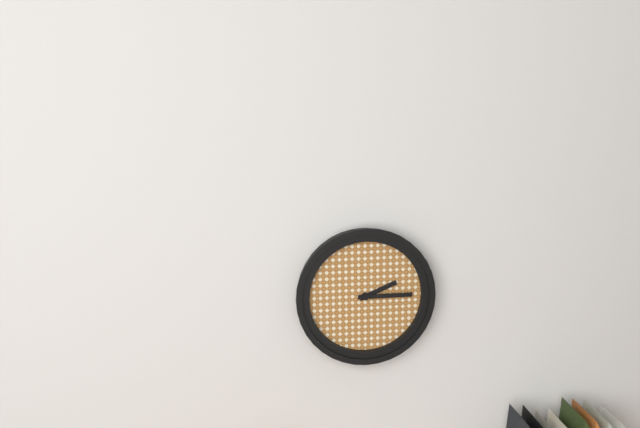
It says 2:15
